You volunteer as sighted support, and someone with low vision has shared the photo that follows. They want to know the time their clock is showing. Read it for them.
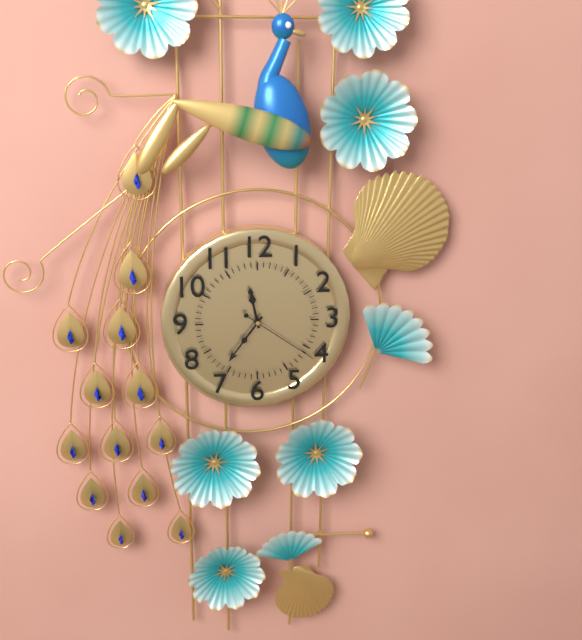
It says 11:36:21
